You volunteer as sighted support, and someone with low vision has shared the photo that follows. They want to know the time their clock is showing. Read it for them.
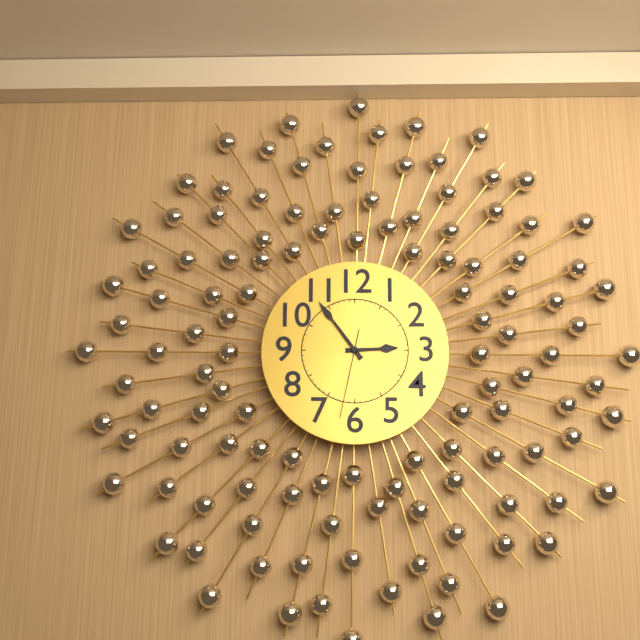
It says 2:54:32
